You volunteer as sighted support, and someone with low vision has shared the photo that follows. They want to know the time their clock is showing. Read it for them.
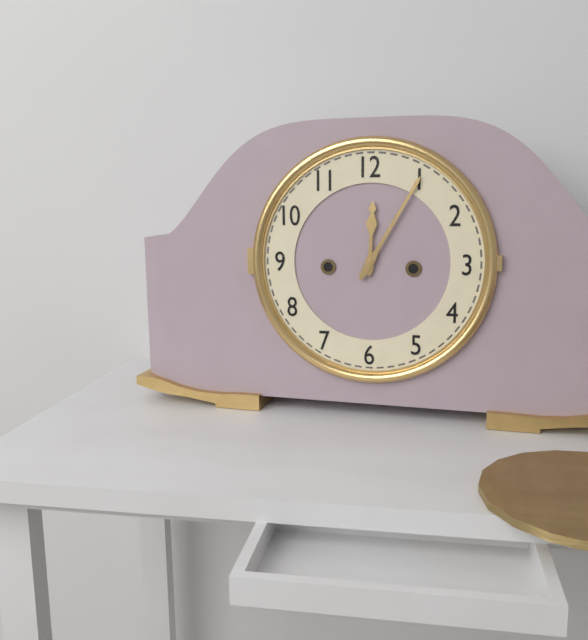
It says 12:05
